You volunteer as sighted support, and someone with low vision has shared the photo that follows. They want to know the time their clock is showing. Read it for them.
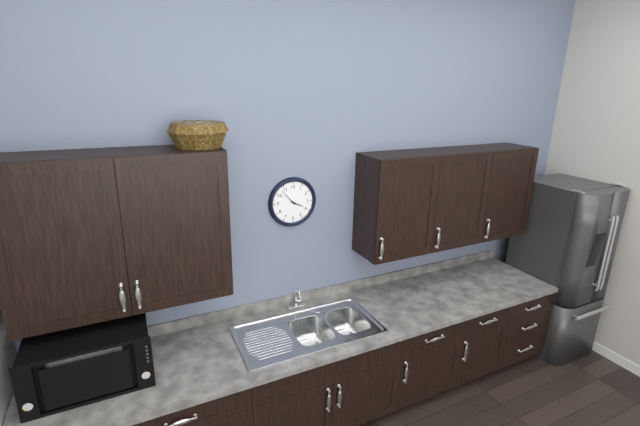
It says 3:53
